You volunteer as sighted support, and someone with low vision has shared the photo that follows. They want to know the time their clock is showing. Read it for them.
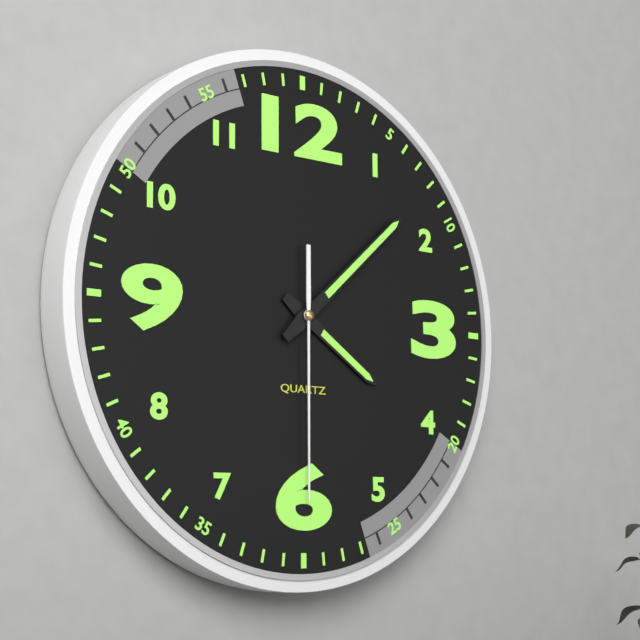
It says 4:08:30
